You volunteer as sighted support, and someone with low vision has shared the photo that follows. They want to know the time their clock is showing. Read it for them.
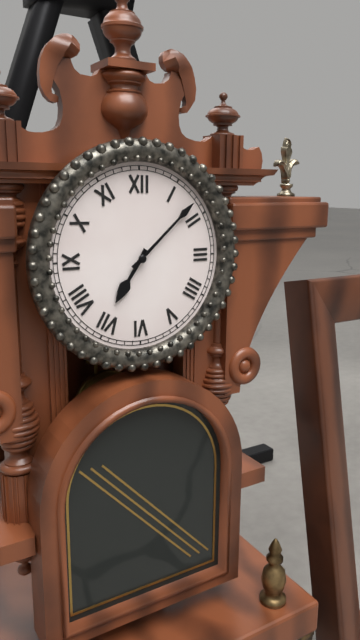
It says 7:08
